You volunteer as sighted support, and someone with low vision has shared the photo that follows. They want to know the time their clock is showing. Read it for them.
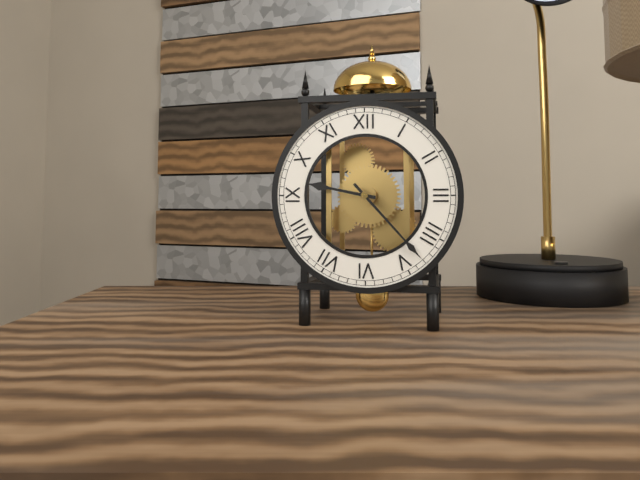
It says 9:23
